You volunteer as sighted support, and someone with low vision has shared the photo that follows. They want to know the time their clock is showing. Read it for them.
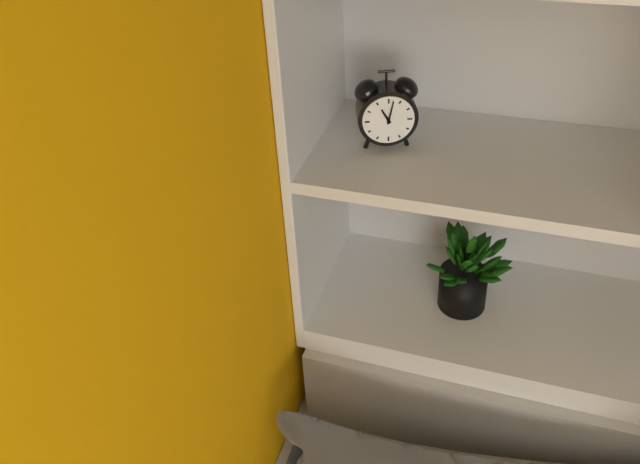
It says 11:02
